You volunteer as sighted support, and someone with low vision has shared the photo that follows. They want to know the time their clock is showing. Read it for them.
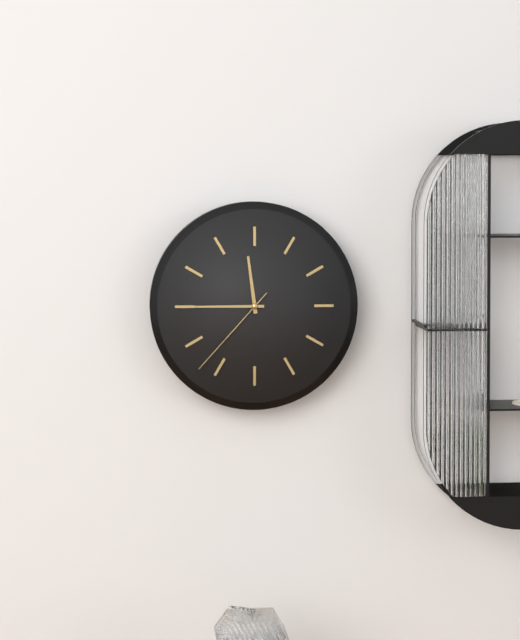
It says 11:45:37
